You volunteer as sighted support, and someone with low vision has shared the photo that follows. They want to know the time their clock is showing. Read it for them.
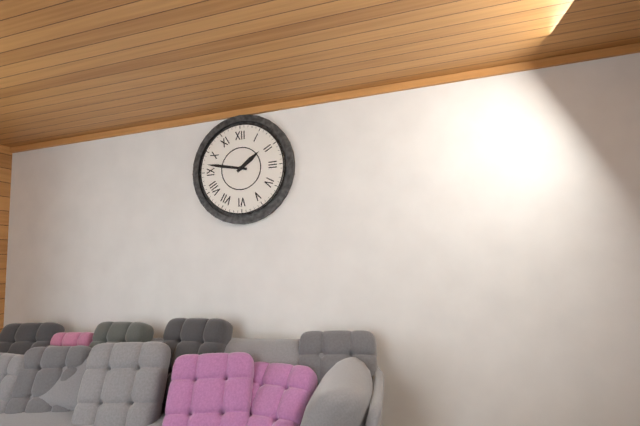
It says 1:47
